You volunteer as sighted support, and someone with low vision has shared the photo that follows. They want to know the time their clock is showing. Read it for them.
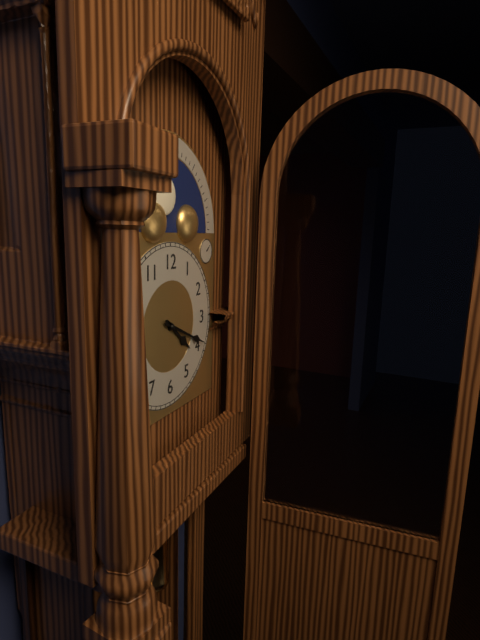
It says 4:19
